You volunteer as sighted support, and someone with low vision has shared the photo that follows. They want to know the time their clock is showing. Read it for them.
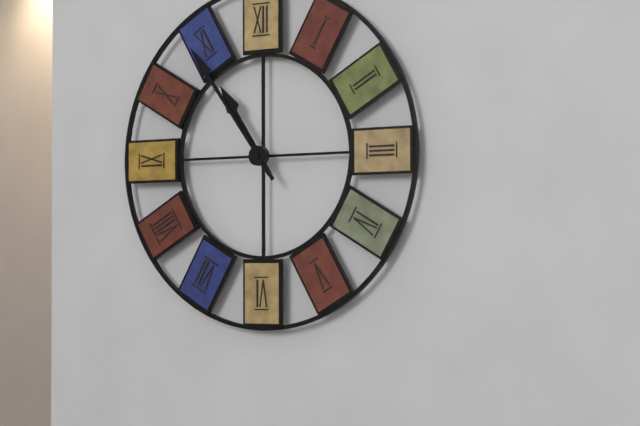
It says 10:54
